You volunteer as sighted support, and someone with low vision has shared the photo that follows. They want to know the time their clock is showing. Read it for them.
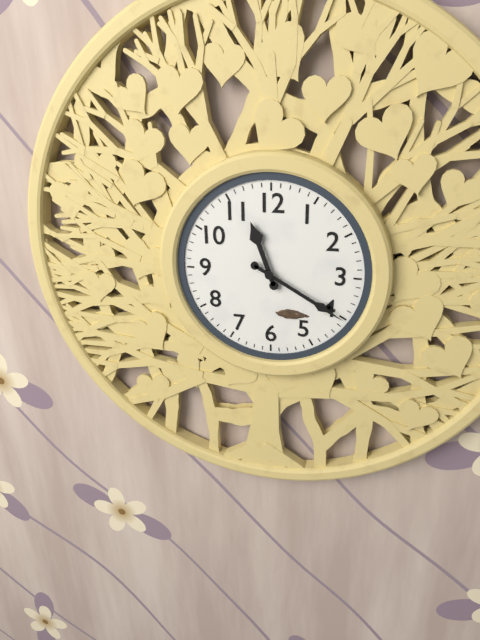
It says 11:20
